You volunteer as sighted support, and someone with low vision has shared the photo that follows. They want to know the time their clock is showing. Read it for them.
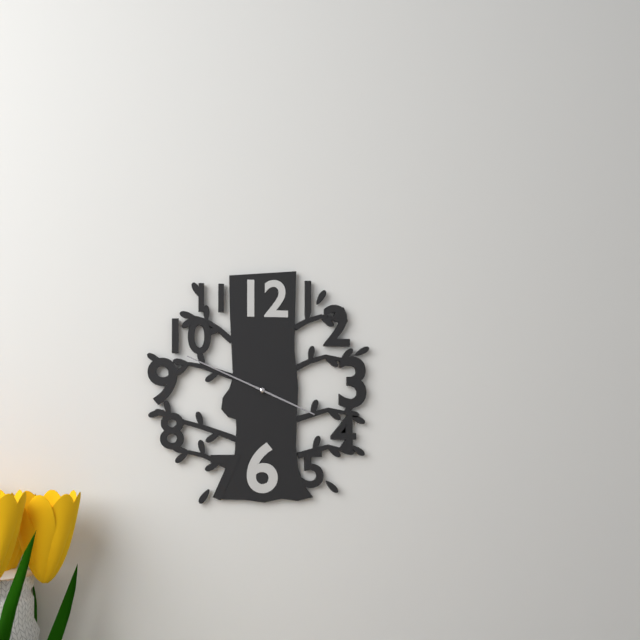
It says 3:49
